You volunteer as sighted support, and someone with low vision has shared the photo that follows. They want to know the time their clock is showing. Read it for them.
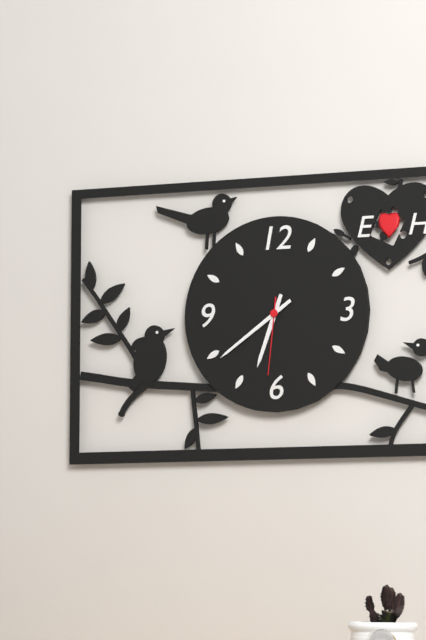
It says 6:39:31
